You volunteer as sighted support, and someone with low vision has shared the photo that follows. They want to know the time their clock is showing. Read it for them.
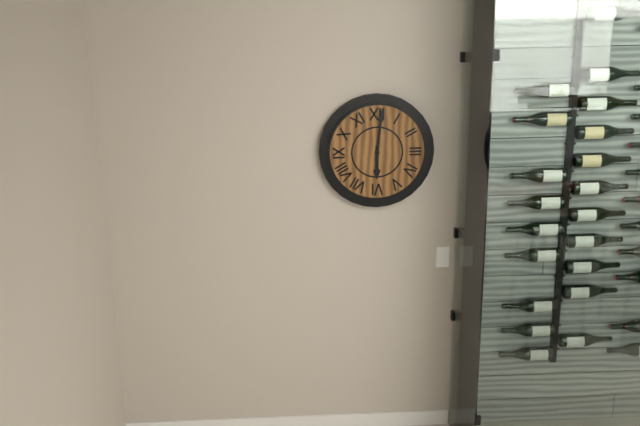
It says 6:01
